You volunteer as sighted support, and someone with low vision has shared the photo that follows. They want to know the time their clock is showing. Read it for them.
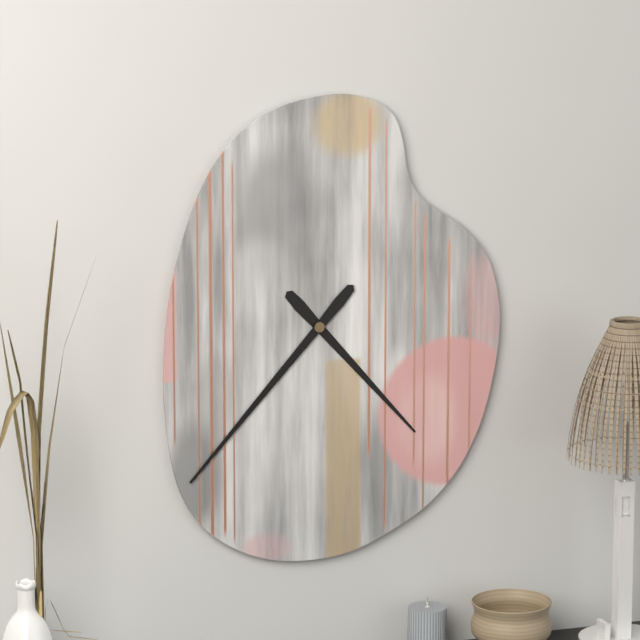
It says 4:37
